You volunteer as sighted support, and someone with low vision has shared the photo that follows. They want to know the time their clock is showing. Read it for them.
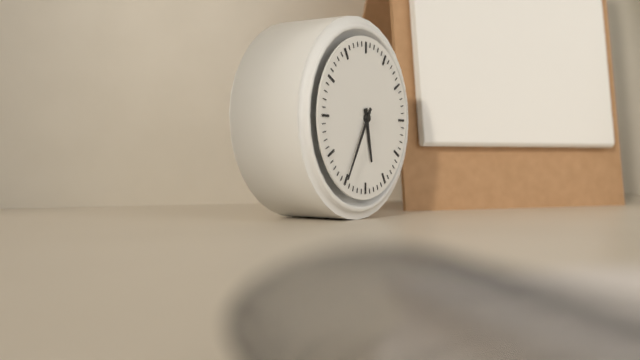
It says 5:35
